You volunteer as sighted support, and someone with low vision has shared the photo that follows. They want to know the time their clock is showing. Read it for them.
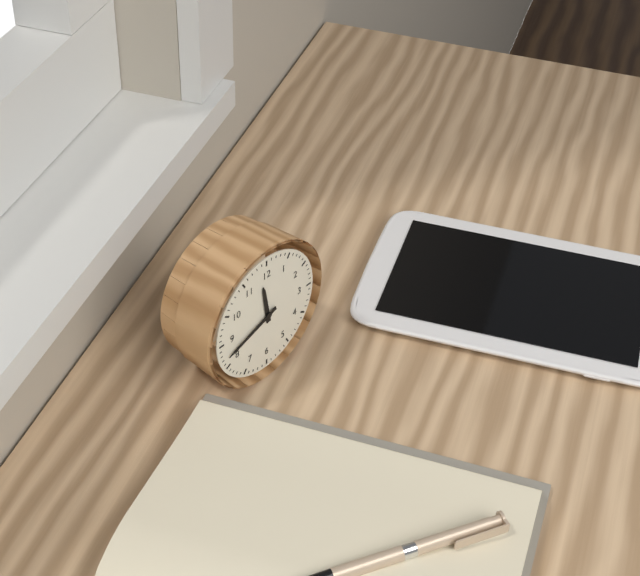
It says 11:42
